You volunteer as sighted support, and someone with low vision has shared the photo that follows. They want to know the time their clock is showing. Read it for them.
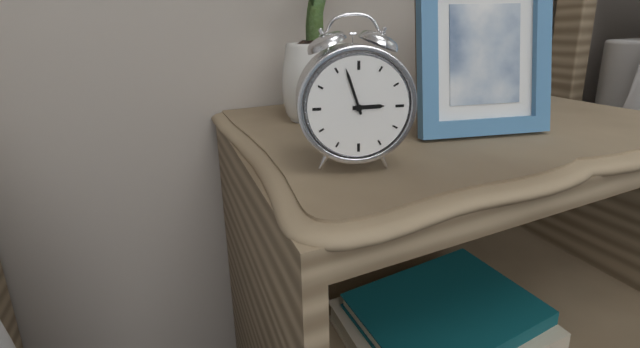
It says 2:57
